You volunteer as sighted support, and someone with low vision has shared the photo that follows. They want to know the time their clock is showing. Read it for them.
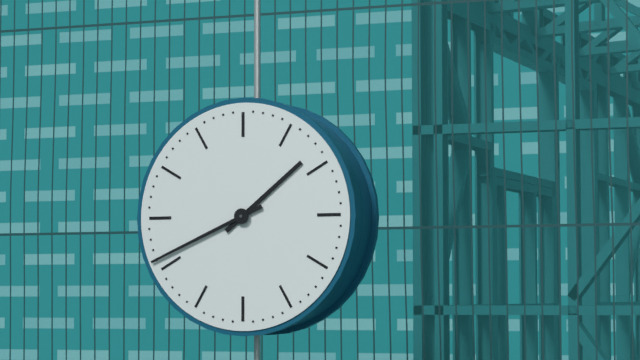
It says 1:41
